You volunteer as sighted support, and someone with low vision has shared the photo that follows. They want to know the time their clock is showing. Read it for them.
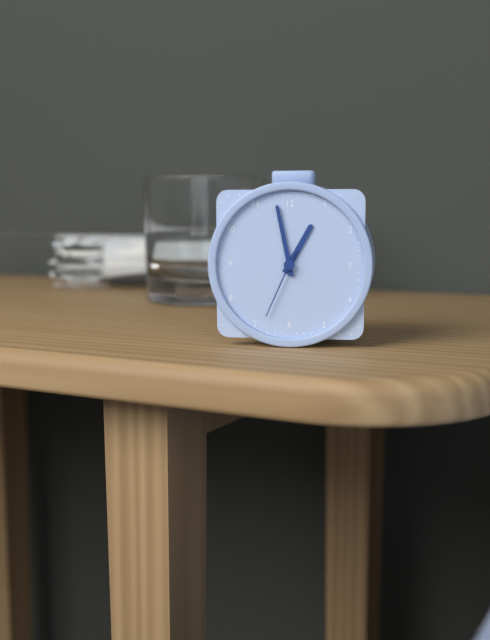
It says 12:58:34
